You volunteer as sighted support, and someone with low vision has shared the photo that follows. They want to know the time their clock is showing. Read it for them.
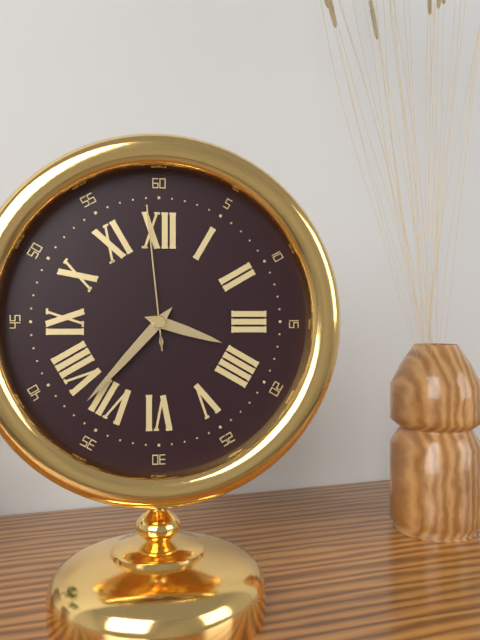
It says 3:37:59
